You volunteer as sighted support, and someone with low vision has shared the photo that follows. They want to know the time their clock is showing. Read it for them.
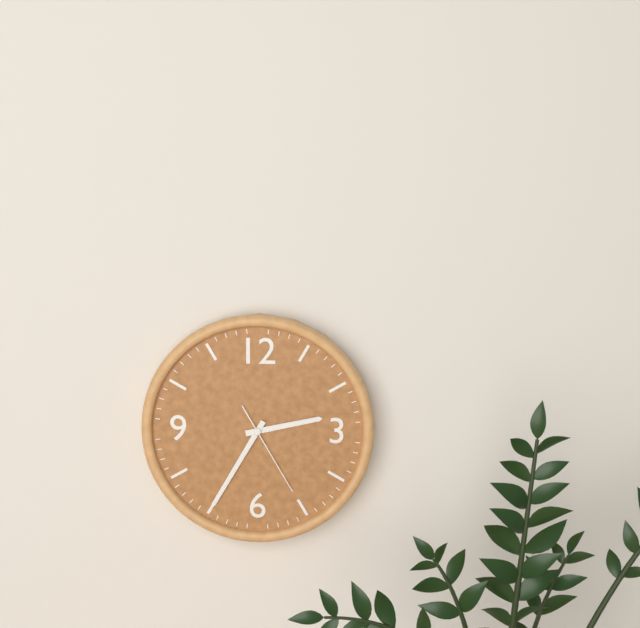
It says 2:35:25
